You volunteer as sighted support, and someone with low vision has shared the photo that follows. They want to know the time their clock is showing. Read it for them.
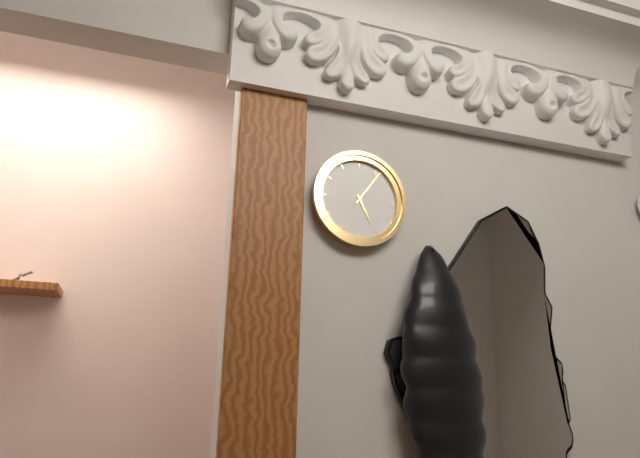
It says 5:06
